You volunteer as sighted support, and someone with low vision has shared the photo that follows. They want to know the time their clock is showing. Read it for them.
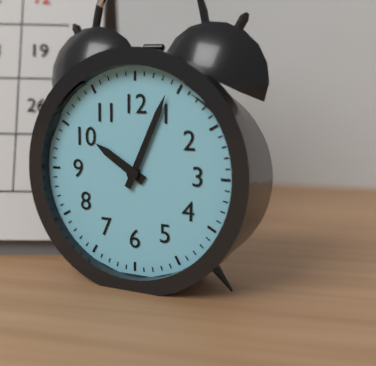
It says 10:04
